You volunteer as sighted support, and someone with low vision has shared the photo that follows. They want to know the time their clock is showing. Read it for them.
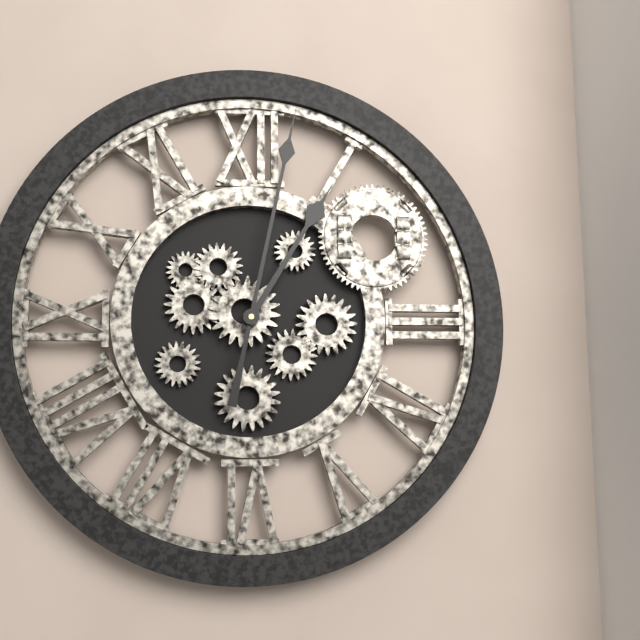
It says 1:02
